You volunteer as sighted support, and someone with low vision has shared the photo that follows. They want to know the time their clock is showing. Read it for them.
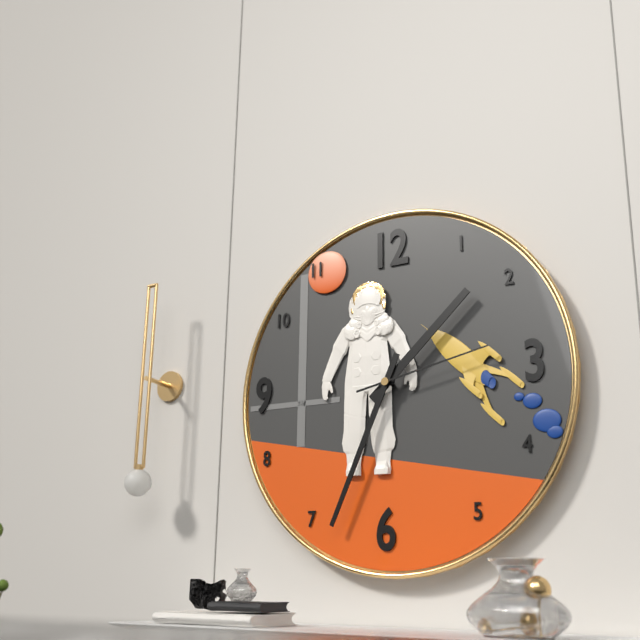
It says 1:34:13
